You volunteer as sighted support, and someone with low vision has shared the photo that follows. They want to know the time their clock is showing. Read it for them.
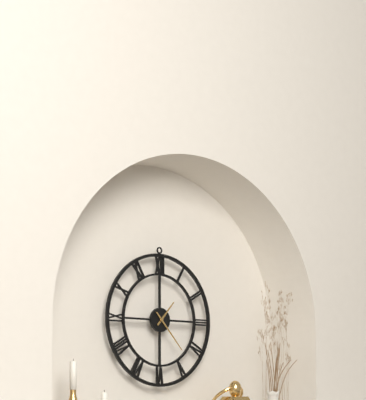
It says 1:23
